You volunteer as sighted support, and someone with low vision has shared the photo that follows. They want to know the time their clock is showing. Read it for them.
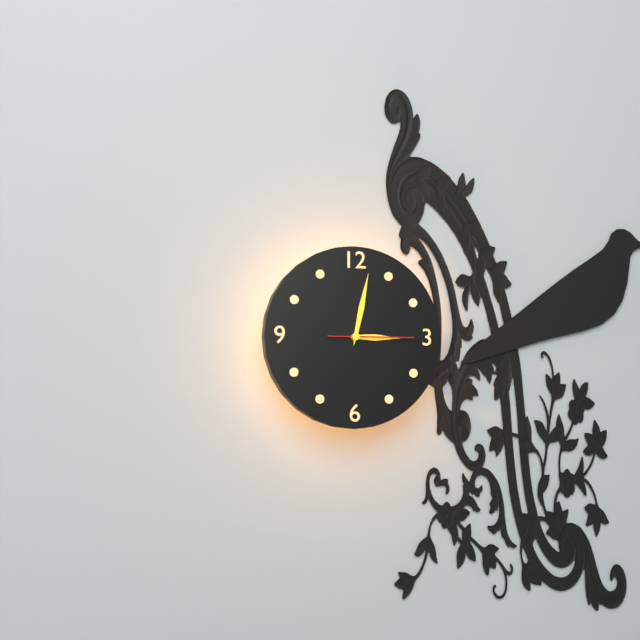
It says 3:02:15
